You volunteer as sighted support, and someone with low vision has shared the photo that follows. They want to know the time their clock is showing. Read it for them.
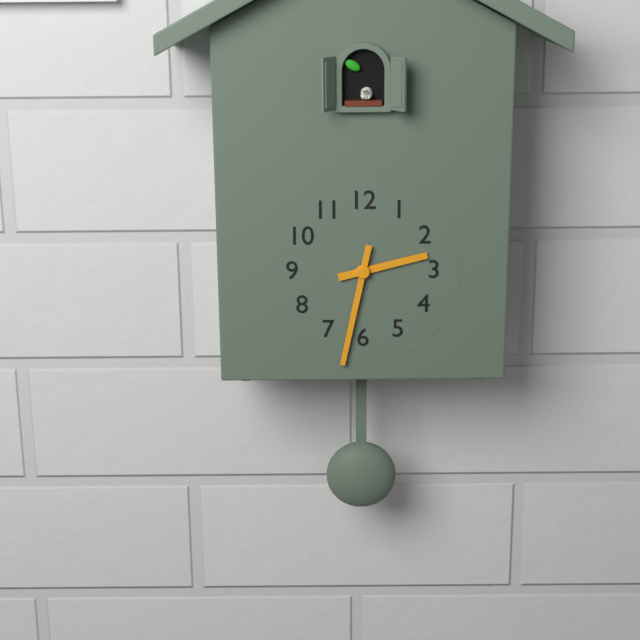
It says 2:32
